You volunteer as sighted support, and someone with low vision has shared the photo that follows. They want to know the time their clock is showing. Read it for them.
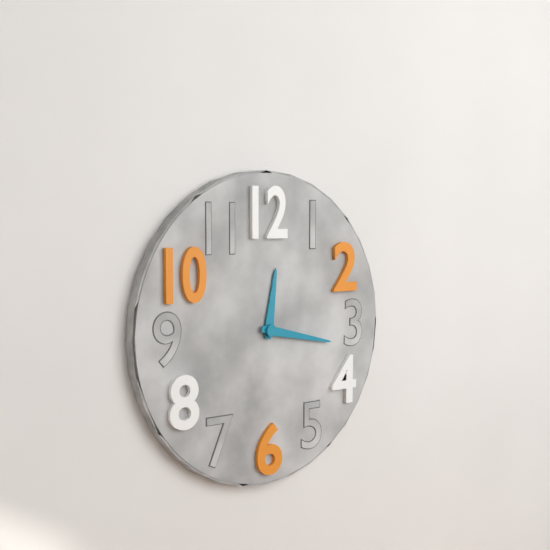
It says 12:17
